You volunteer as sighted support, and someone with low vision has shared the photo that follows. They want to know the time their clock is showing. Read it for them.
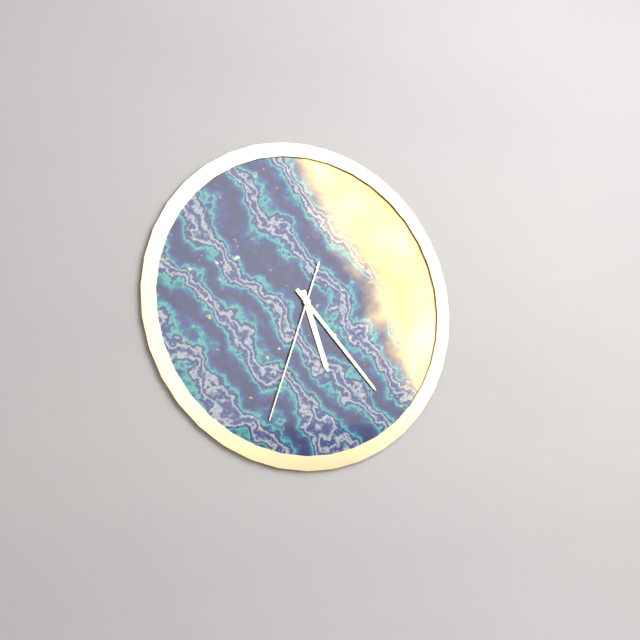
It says 5:23:33
